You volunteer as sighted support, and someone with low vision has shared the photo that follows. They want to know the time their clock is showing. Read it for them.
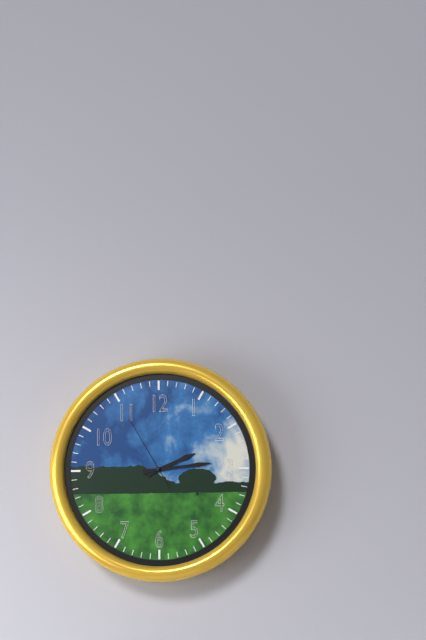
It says 2:14:55
